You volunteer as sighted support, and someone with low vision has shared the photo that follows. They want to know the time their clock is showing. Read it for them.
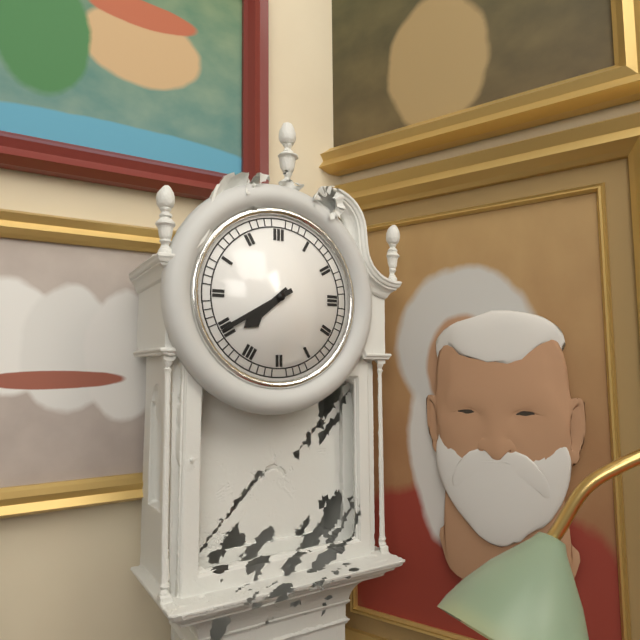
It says 7:40
